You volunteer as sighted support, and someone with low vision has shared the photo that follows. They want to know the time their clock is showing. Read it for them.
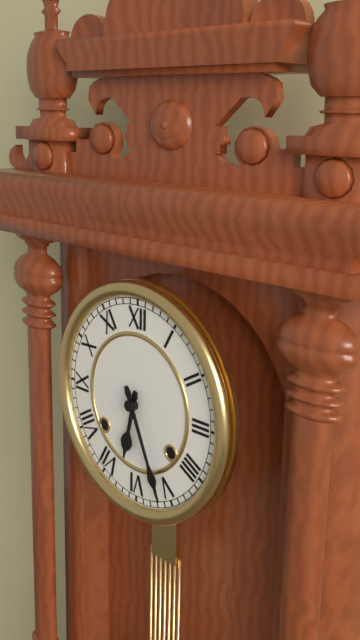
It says 6:26
